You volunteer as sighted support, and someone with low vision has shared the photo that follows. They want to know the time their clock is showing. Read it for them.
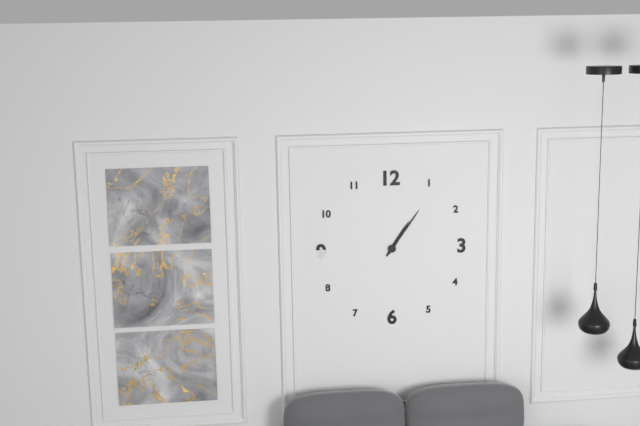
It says 1:06
